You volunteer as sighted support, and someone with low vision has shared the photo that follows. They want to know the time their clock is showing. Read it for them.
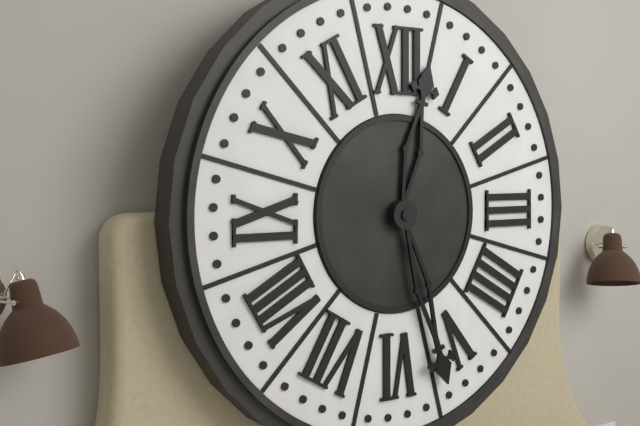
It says 12:27
